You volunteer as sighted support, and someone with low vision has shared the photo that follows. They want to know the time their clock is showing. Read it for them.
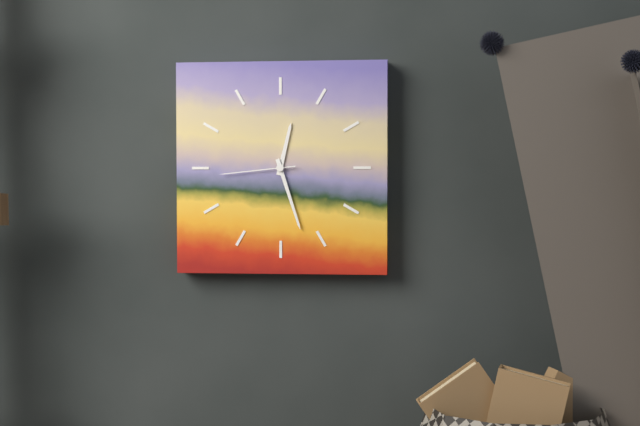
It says 12:27:44
